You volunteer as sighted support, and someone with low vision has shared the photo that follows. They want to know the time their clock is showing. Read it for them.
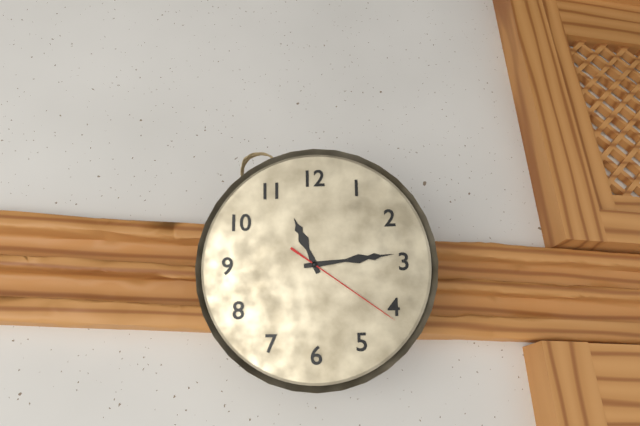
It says 11:14:21
